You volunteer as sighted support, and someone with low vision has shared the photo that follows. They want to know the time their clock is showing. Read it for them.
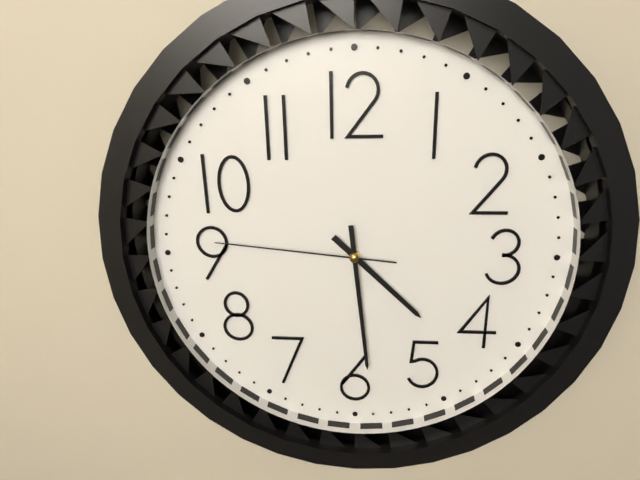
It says 4:29:46
